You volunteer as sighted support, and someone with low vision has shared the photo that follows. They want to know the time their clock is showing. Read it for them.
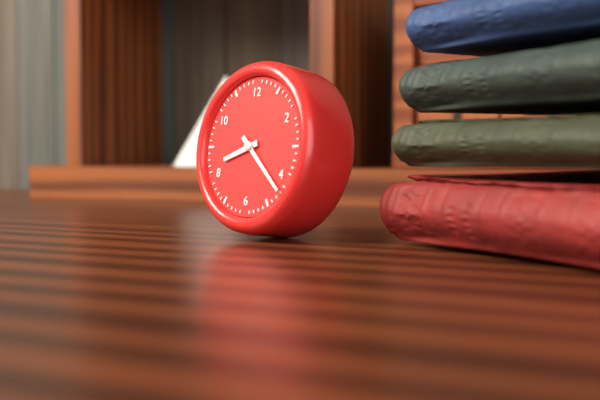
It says 8:22
